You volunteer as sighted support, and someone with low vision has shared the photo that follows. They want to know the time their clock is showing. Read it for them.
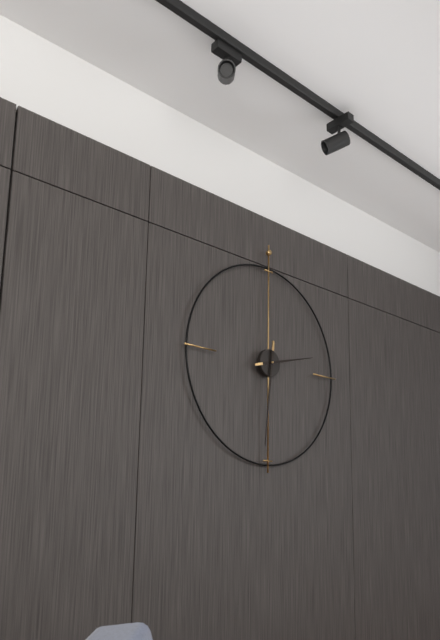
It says 2:31
